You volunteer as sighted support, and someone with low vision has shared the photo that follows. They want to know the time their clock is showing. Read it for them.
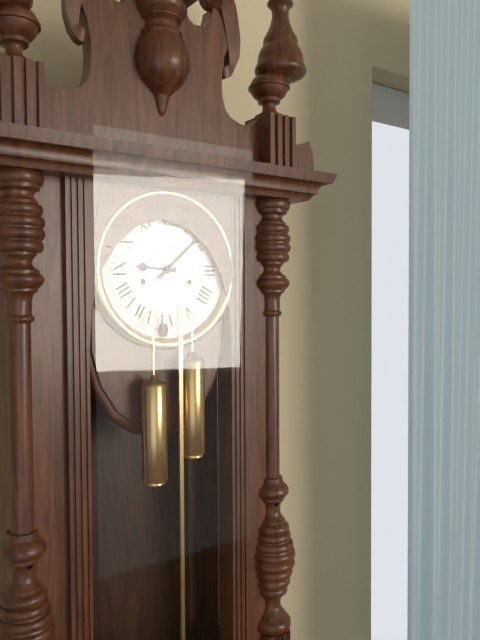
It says 9:08
